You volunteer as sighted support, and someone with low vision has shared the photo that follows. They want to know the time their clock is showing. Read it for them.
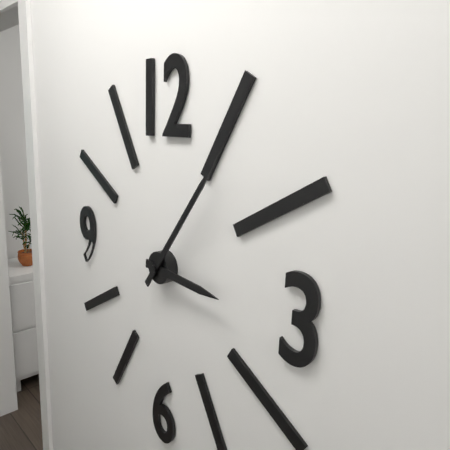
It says 3:06
